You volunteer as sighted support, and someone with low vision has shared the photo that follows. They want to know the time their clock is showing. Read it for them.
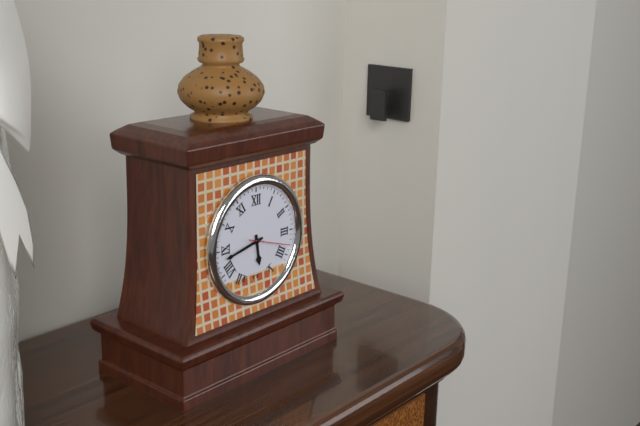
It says 5:43
